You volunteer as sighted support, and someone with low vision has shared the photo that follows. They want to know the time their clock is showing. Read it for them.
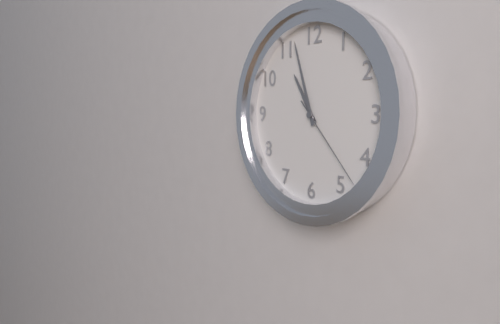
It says 10:57:23
